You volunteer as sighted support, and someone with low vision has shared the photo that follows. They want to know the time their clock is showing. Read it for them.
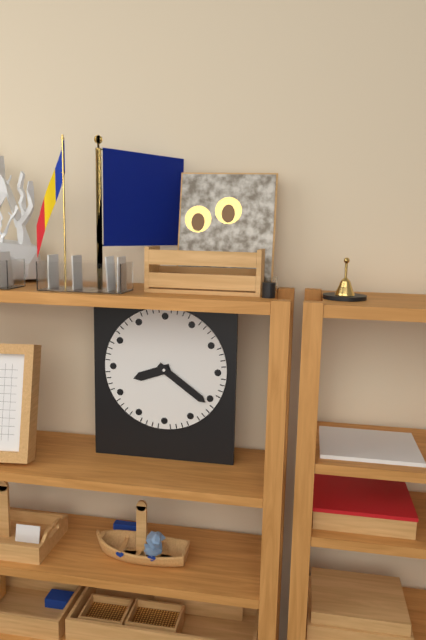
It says 8:21
